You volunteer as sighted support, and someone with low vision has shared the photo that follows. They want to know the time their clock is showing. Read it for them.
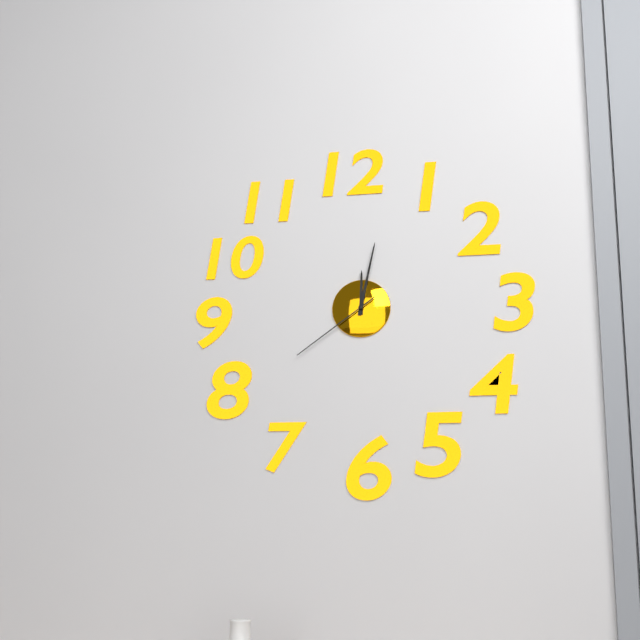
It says 12:02:39
